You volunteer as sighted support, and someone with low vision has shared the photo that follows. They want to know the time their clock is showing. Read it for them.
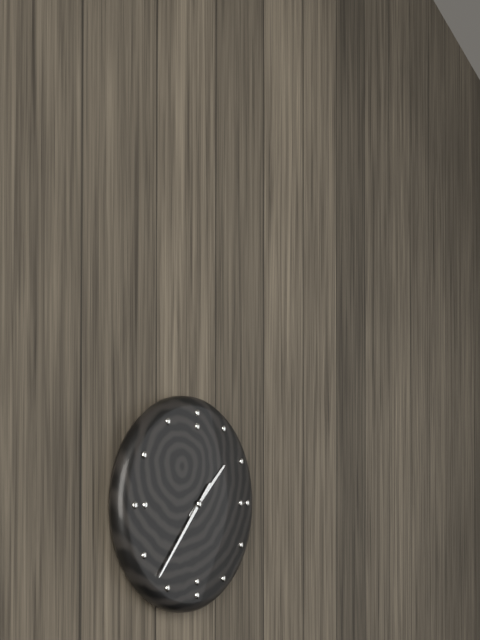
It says 1:37
